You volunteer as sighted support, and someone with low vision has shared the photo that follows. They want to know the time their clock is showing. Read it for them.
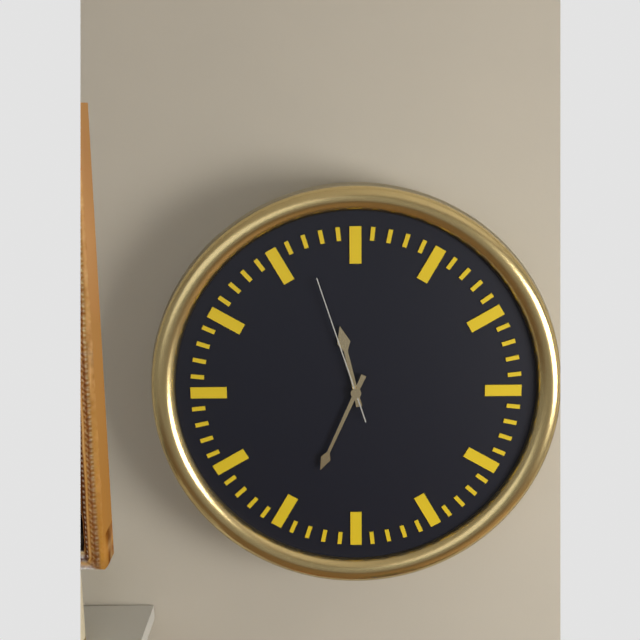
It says 11:34:57
